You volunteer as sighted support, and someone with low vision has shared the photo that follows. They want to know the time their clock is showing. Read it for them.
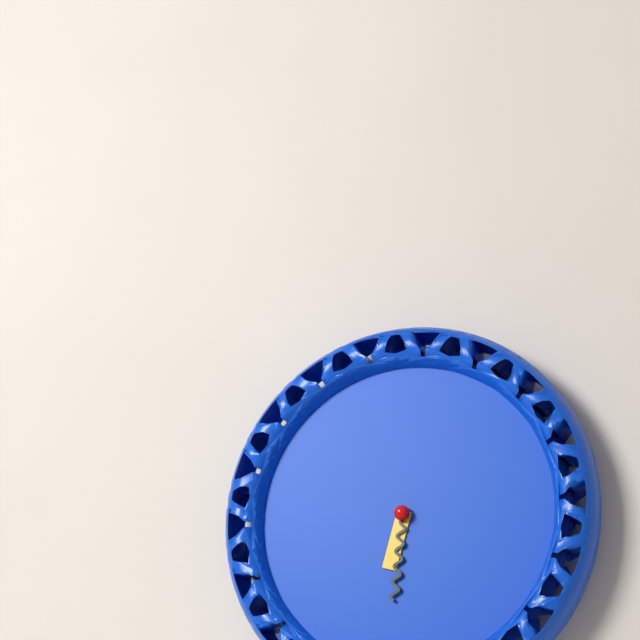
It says 6:31
